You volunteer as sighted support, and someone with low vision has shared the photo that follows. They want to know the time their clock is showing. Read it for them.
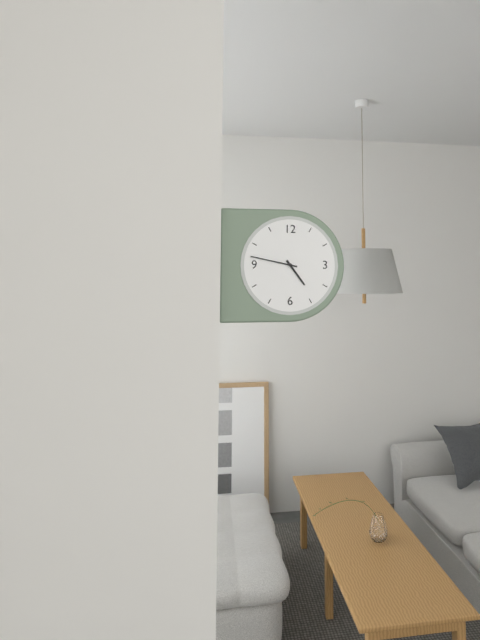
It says 4:47
